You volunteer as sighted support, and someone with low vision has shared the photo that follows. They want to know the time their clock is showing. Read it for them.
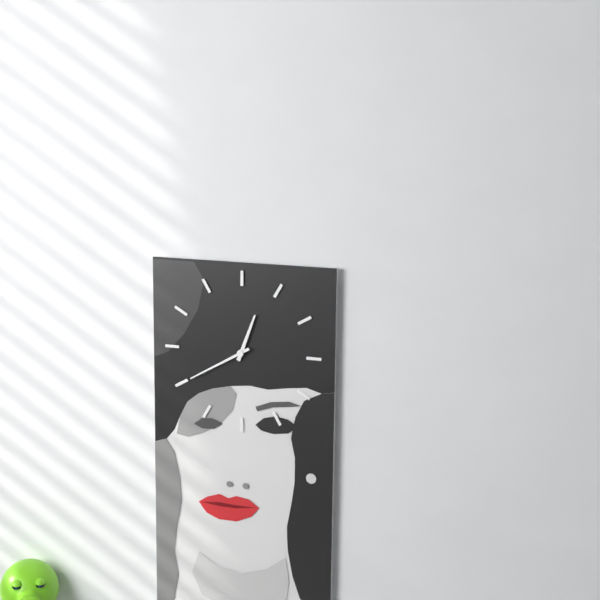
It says 12:40
